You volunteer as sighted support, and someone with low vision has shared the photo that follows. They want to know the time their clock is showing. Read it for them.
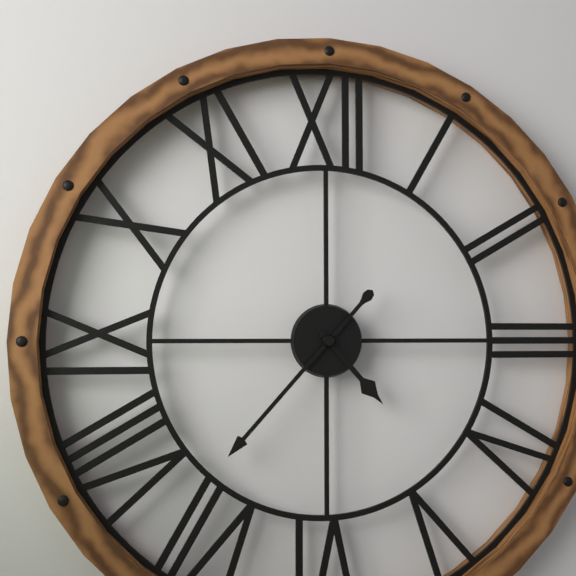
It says 4:37
